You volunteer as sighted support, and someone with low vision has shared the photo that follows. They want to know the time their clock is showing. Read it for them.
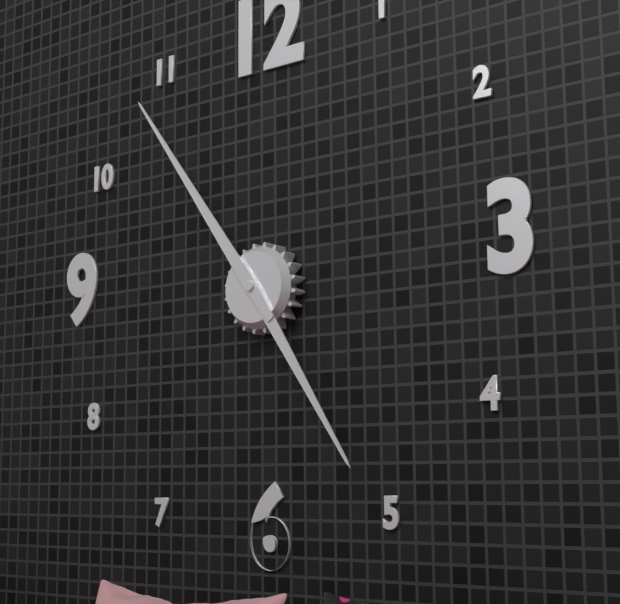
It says 4:54
